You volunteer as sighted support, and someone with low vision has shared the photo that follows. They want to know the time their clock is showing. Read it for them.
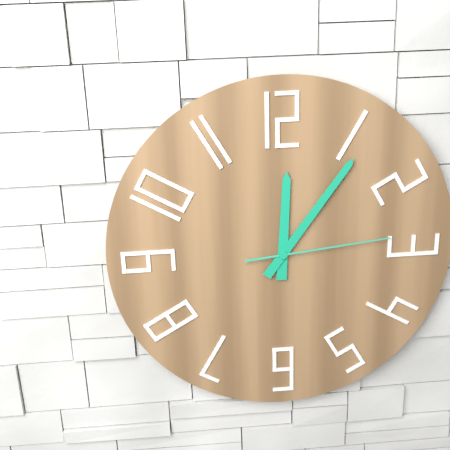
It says 12:06:14
